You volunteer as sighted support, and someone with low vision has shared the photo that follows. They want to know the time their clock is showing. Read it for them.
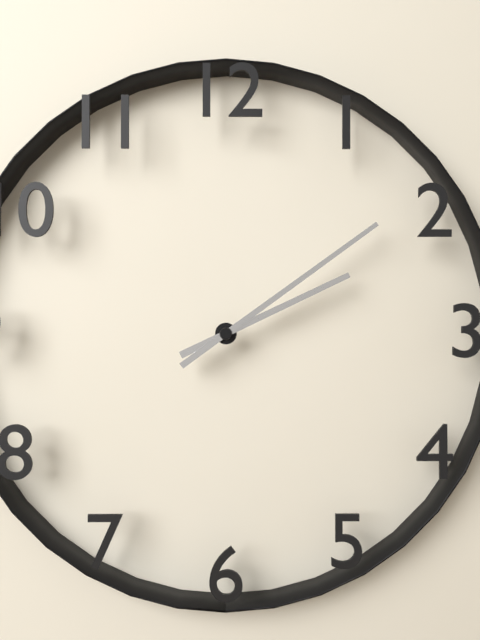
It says 2:09
